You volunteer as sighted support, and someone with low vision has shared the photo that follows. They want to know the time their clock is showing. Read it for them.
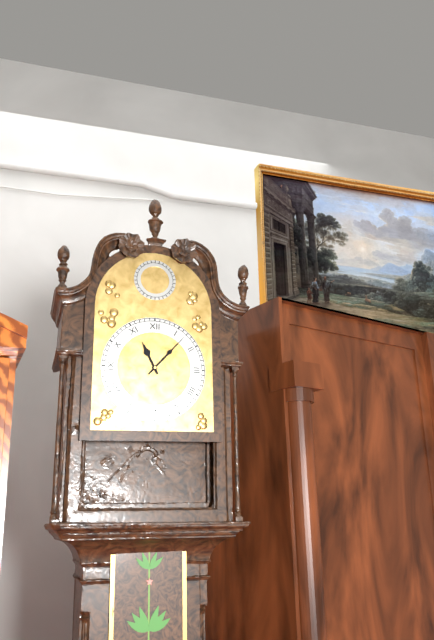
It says 11:07
